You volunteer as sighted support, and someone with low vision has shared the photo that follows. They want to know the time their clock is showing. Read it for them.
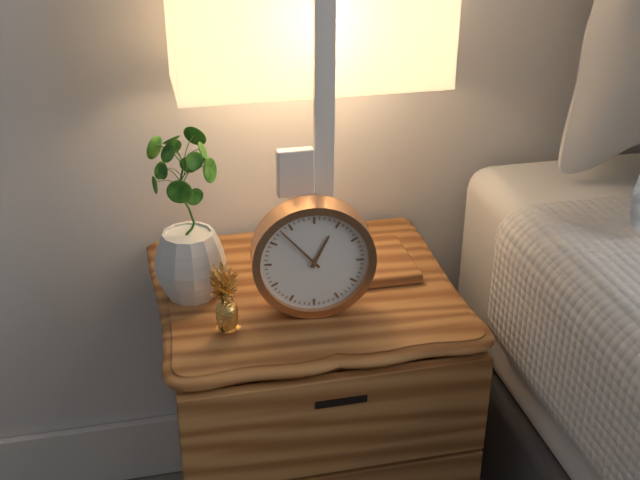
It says 12:53
